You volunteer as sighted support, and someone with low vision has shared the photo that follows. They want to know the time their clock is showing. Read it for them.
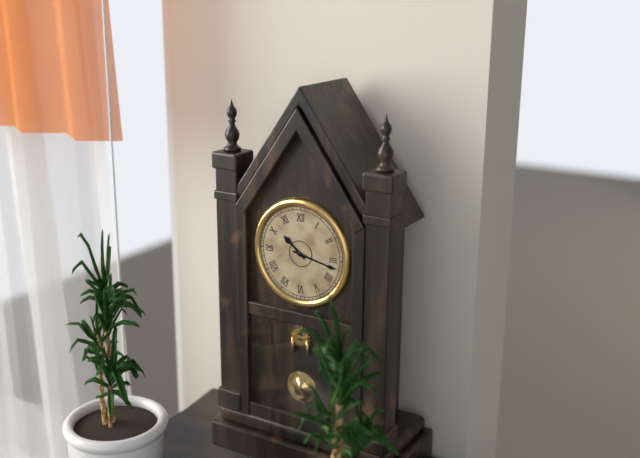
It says 10:17
